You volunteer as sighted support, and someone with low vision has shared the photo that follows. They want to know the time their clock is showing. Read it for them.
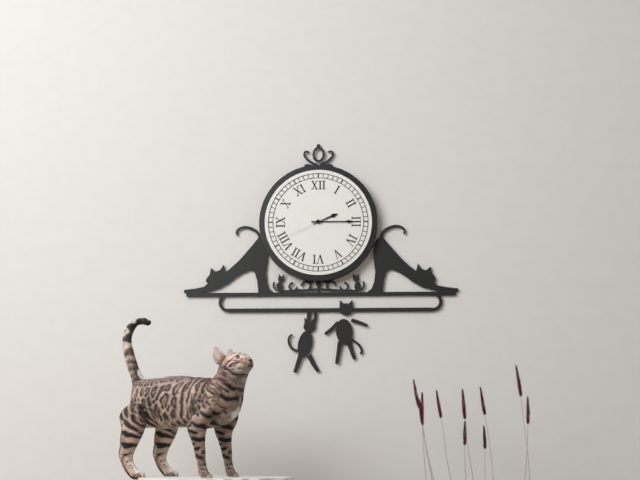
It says 2:15
